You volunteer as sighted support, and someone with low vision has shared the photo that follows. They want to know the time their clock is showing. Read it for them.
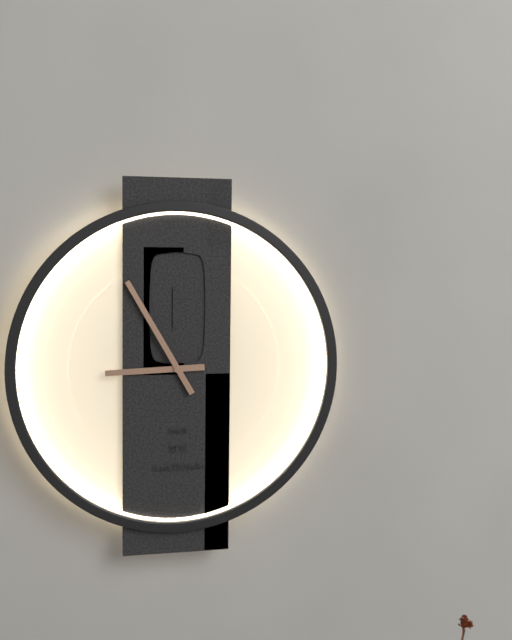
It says 8:55
